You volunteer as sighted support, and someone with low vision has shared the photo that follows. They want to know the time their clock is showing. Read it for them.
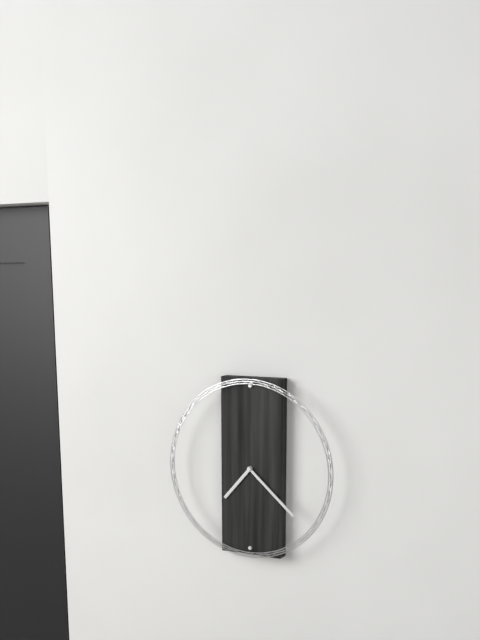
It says 7:22
